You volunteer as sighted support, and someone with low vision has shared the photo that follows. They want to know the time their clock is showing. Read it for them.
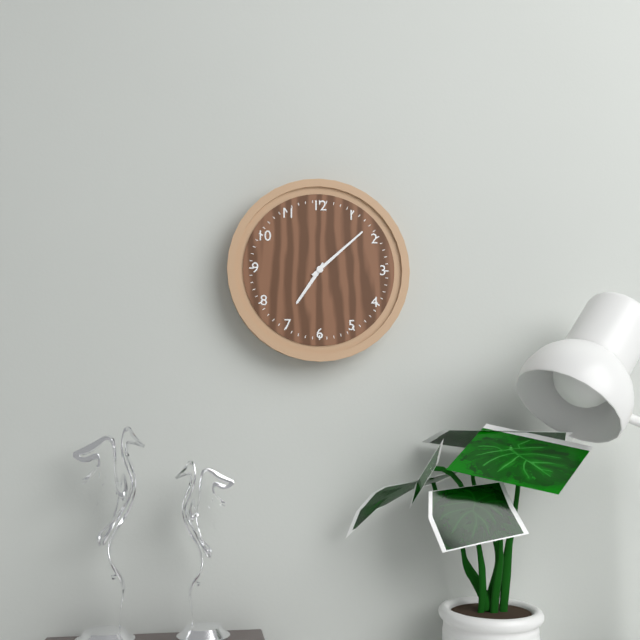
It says 7:08
